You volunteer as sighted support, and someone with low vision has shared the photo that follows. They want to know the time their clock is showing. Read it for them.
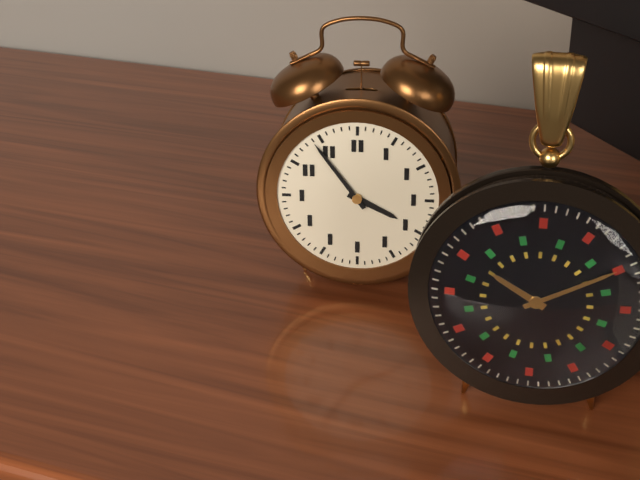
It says 3:54
